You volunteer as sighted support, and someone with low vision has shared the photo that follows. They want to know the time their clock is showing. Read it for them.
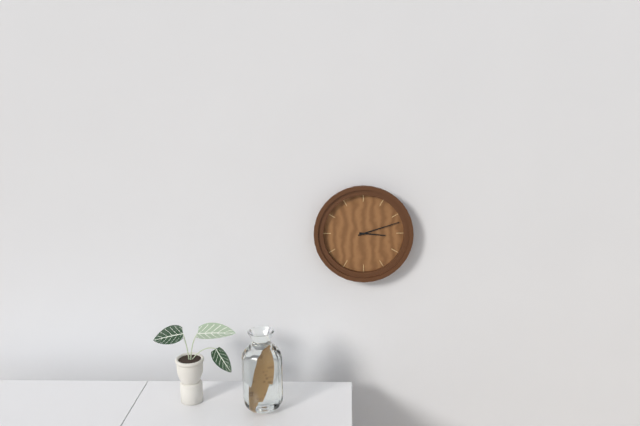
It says 3:12
